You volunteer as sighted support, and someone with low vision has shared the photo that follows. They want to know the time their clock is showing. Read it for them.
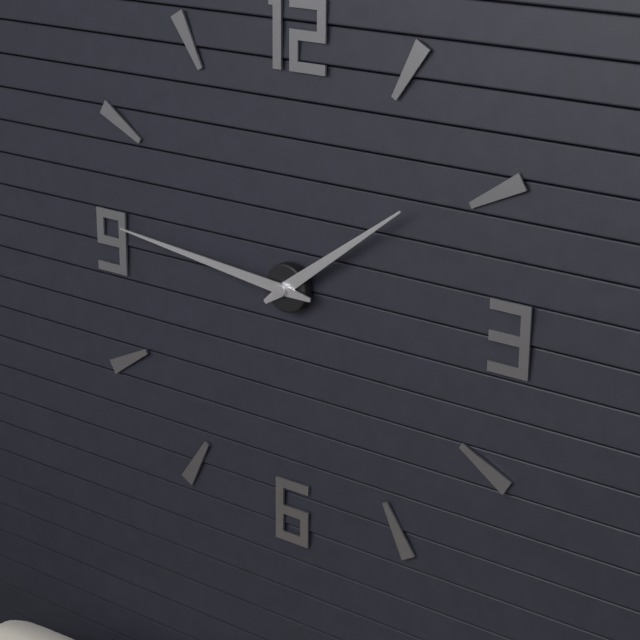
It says 1:46
